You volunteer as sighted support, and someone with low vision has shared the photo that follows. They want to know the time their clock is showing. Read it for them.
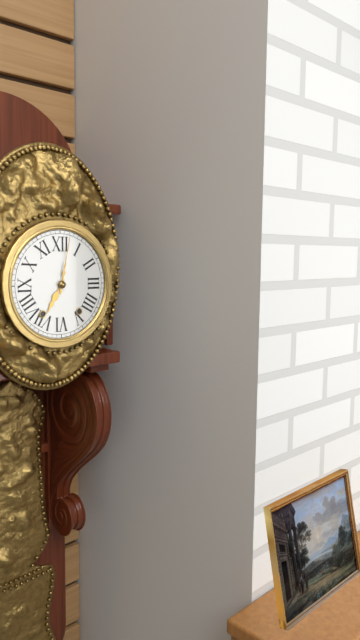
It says 7:02
